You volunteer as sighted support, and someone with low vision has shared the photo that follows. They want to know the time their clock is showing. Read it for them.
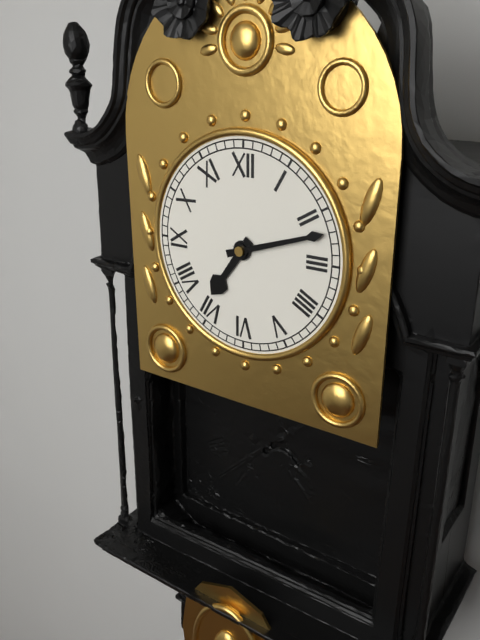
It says 7:12
